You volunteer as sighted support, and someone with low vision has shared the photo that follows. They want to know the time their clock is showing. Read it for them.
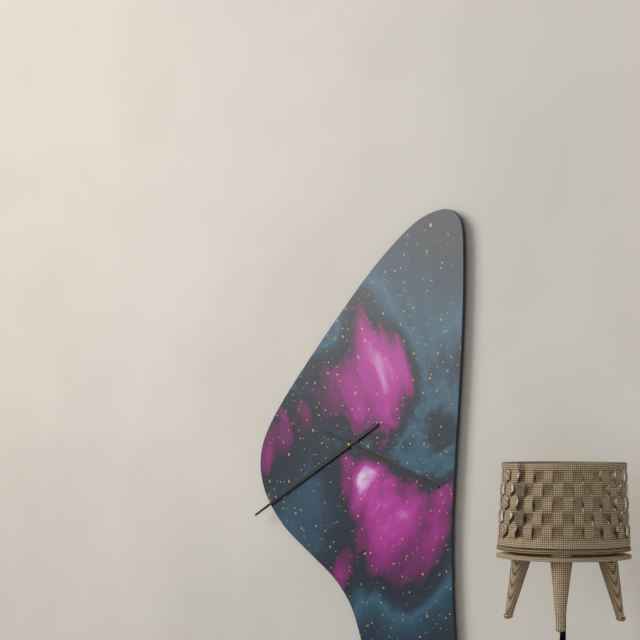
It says 3:40
